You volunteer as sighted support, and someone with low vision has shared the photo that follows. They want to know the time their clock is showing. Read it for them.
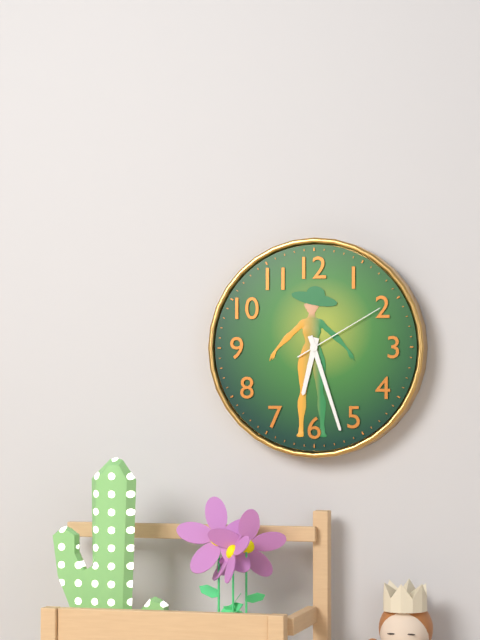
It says 6:27:10
